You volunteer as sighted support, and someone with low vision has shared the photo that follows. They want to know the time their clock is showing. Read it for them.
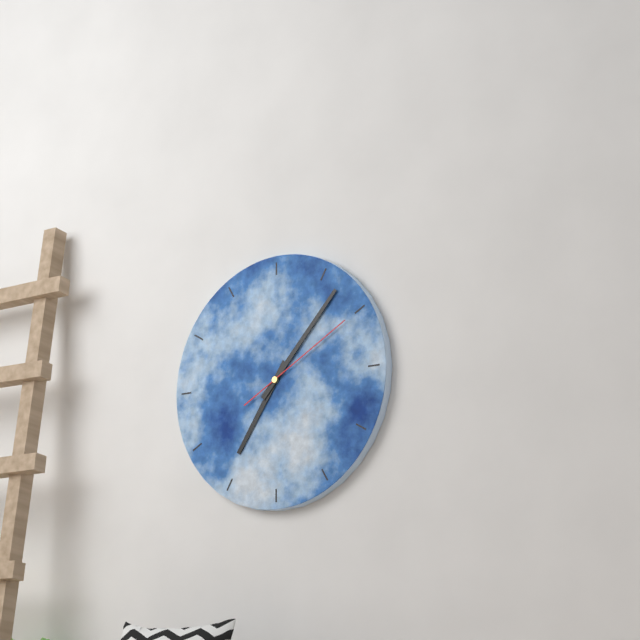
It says 7:07:10
